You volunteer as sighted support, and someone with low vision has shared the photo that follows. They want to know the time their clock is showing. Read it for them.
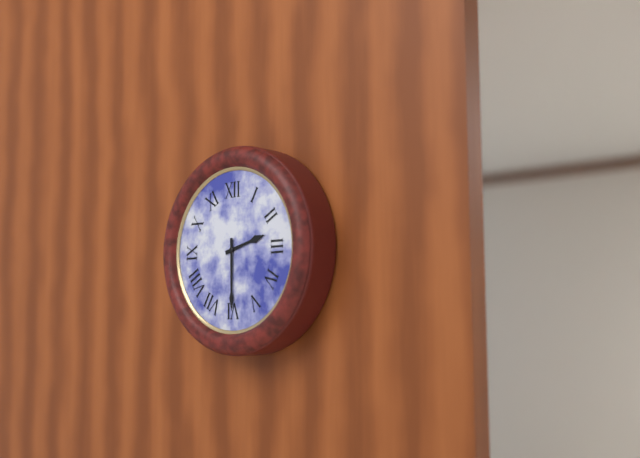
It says 2:30
